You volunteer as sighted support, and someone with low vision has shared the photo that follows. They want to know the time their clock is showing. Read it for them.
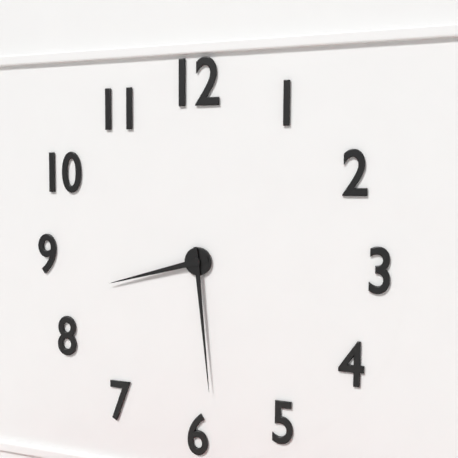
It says 8:29
